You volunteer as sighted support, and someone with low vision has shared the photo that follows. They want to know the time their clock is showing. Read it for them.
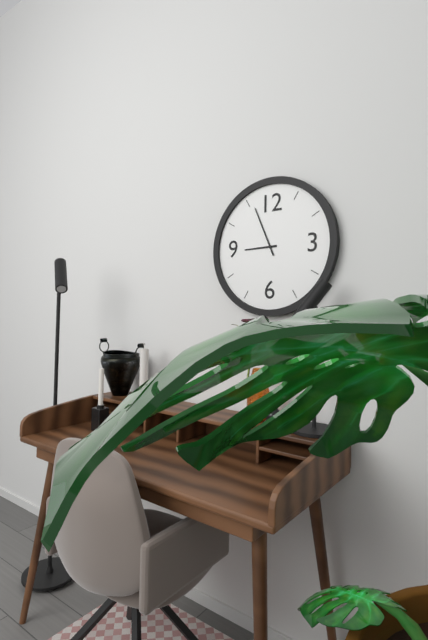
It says 8:56
